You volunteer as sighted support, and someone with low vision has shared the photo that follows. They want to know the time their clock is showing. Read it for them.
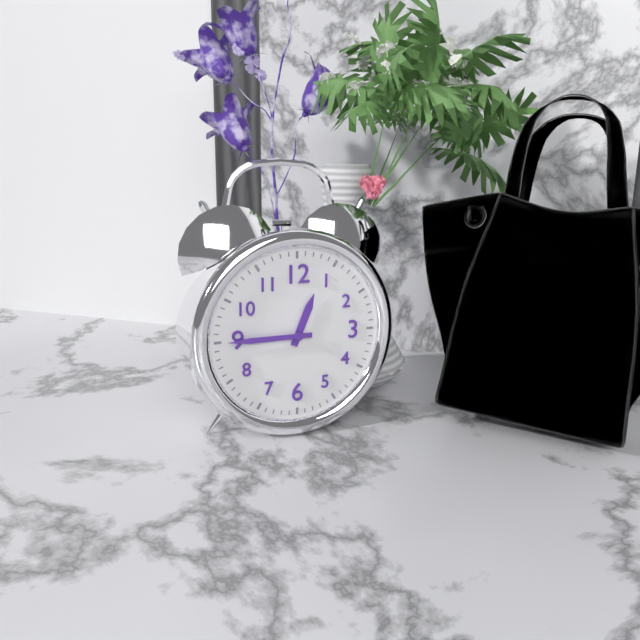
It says 12:45
